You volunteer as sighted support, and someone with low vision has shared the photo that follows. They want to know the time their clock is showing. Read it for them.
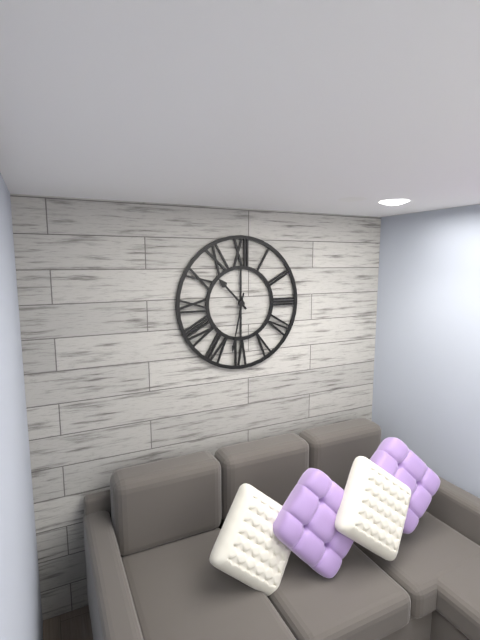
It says 10:32
